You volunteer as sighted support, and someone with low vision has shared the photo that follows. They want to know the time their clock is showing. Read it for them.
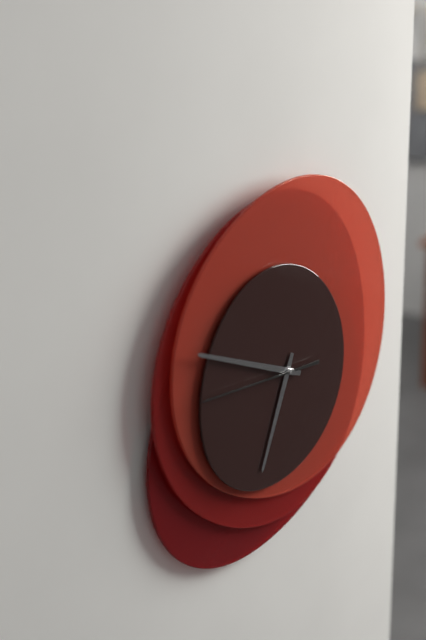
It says 6:49:46
